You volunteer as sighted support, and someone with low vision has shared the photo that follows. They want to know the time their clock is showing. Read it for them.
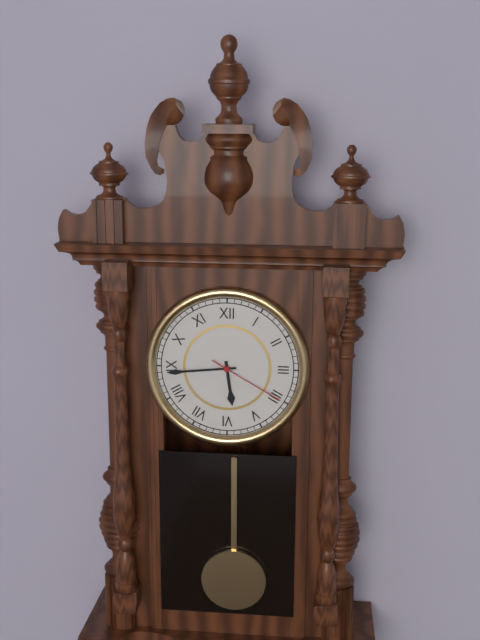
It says 5:44:20
